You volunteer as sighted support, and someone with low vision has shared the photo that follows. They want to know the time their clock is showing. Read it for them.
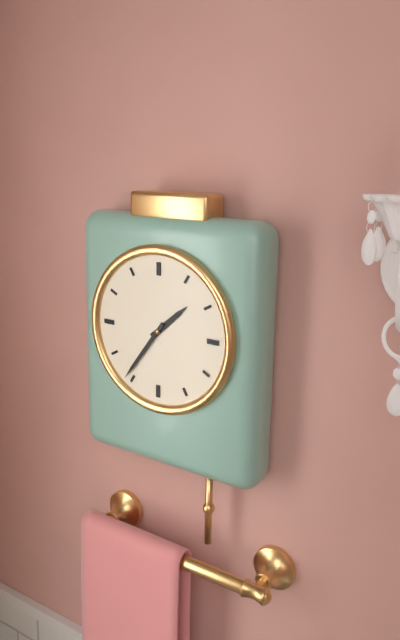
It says 1:36
